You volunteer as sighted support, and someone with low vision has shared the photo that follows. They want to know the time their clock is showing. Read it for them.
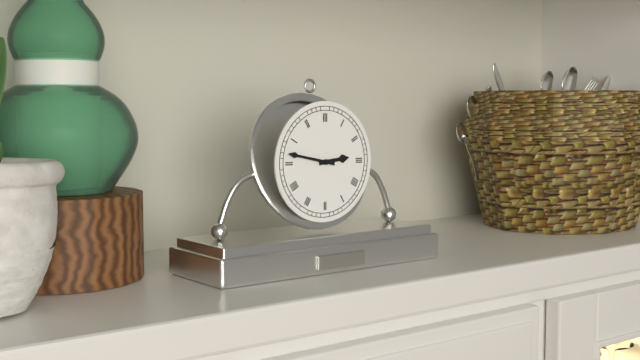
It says 2:47
